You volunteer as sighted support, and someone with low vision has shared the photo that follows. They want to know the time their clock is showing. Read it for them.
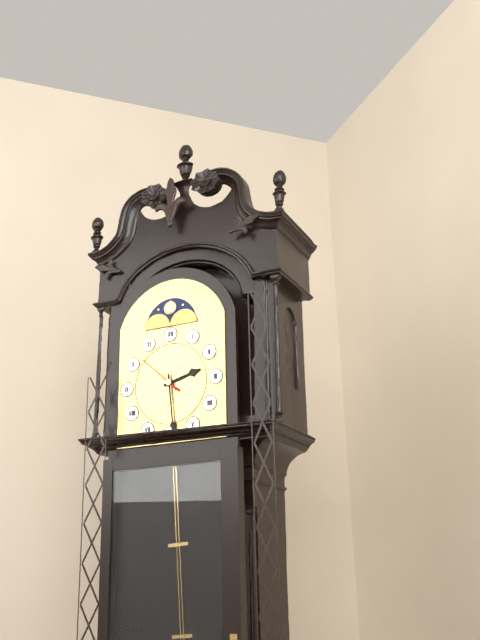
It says 2:29
